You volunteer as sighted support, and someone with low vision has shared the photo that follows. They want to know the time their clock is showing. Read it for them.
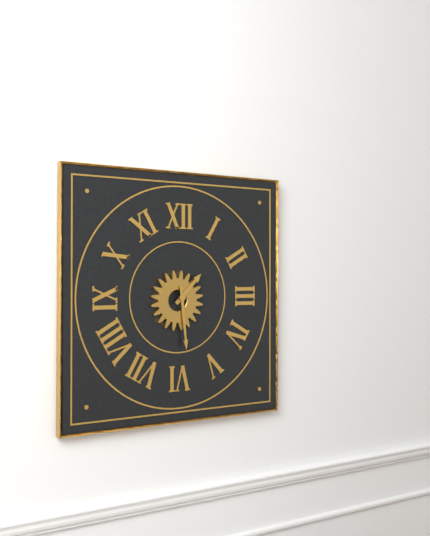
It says 1:29
